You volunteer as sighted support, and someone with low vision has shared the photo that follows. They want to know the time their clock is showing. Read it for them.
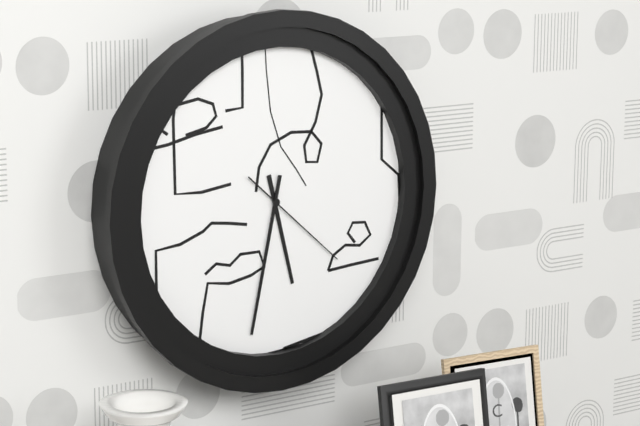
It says 5:32:22
